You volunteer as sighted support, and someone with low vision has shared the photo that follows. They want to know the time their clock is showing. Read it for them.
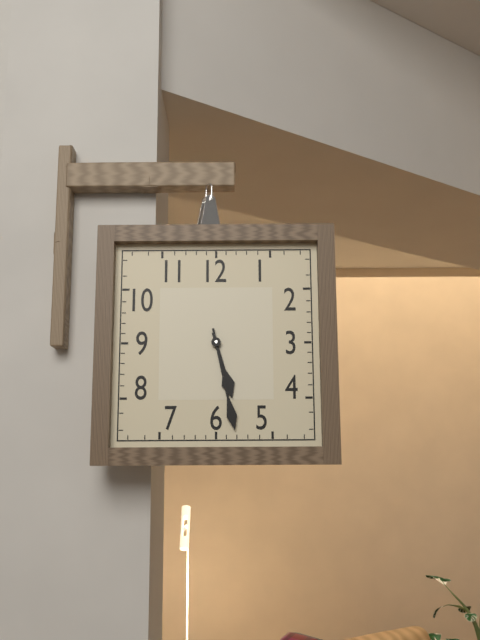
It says 5:28
